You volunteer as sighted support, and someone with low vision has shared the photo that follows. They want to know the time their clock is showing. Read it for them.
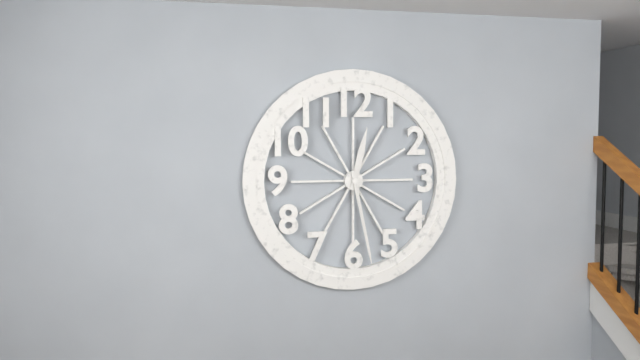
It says 12:28
